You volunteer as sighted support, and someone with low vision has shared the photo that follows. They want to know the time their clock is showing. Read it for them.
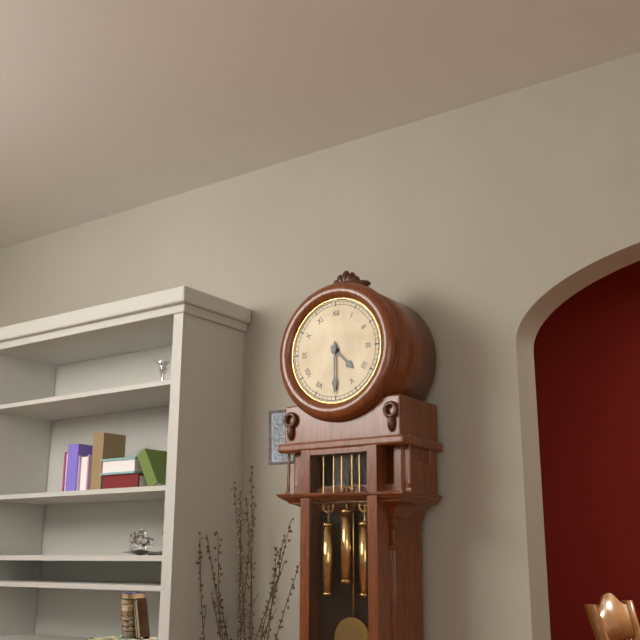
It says 4:30
